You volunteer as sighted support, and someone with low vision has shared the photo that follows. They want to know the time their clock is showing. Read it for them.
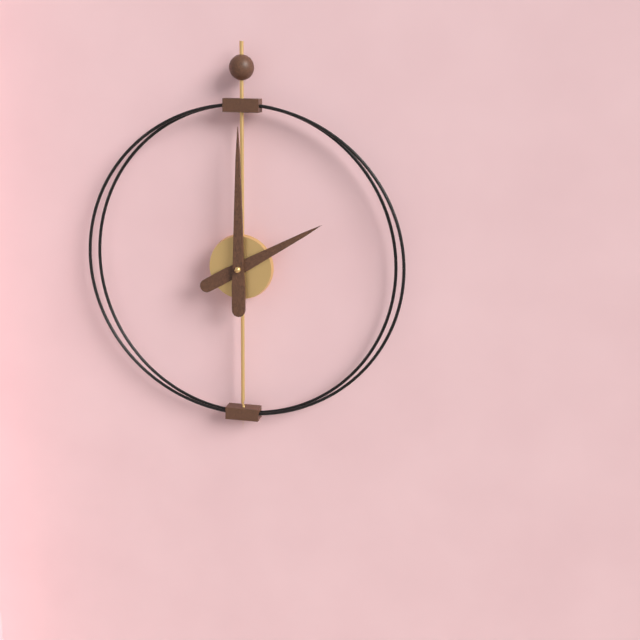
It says 2:00
